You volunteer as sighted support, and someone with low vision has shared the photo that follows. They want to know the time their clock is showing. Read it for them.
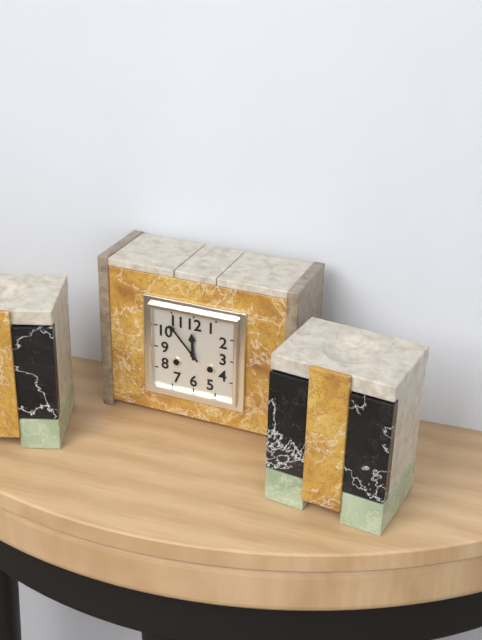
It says 11:53
